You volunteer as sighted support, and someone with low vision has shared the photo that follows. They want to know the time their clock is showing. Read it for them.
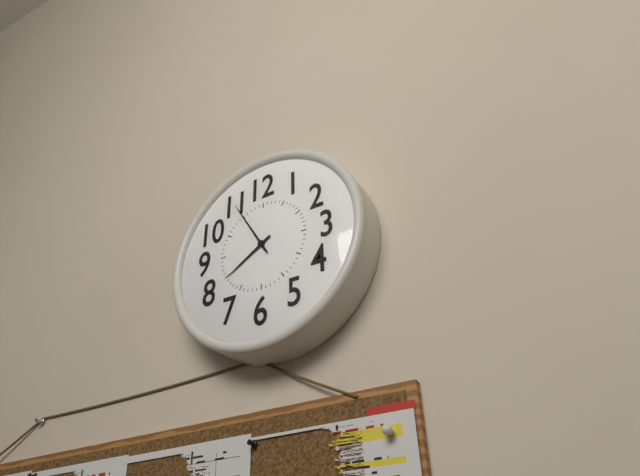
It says 7:55
